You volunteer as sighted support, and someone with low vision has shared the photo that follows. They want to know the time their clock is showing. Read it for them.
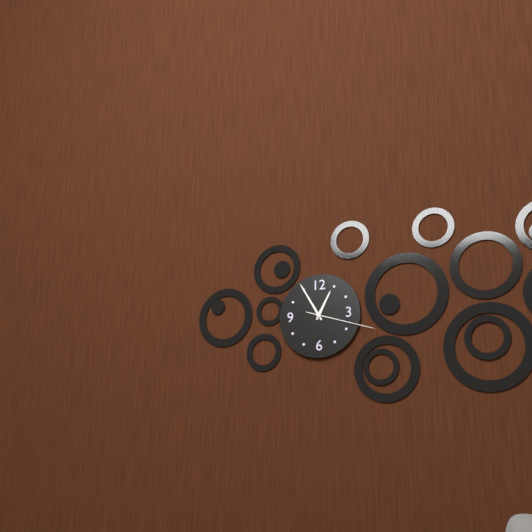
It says 12:55:18
